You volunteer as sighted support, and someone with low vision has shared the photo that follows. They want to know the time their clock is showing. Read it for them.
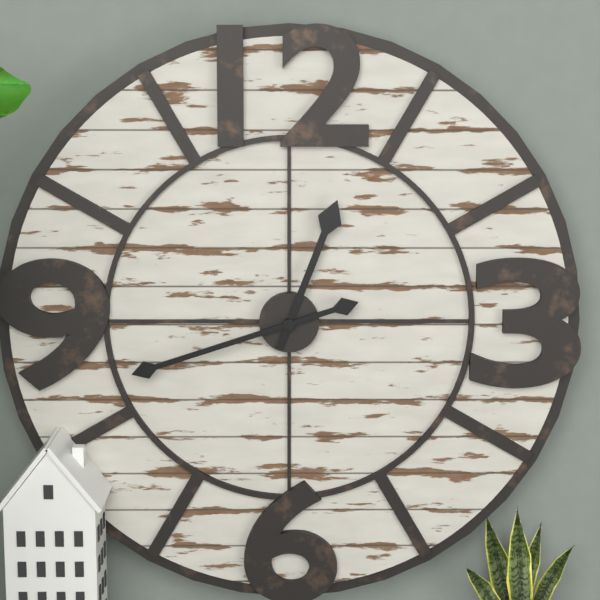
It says 12:42
